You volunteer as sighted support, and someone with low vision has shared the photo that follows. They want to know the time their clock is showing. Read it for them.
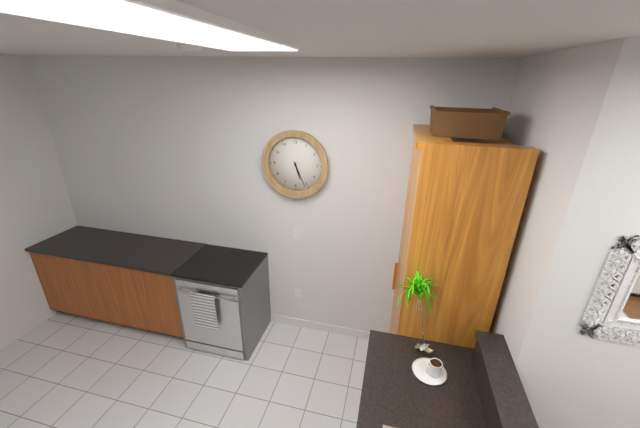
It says 5:26
